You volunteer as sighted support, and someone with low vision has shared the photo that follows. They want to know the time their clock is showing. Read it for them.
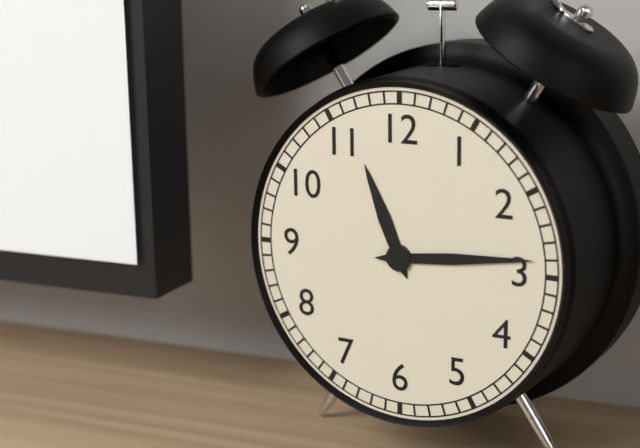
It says 11:14
